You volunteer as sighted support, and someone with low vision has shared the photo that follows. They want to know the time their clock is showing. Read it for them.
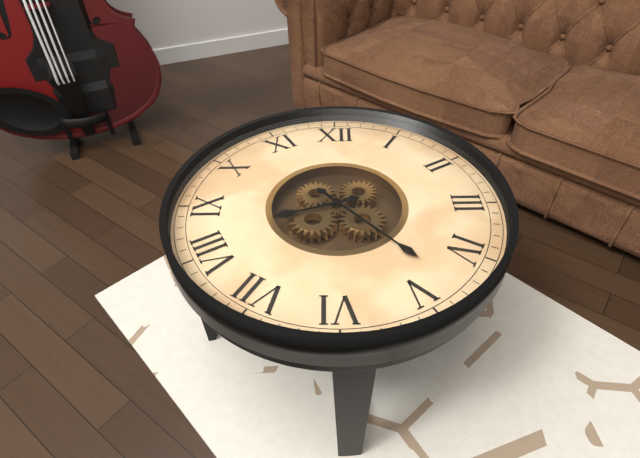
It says 8:23
